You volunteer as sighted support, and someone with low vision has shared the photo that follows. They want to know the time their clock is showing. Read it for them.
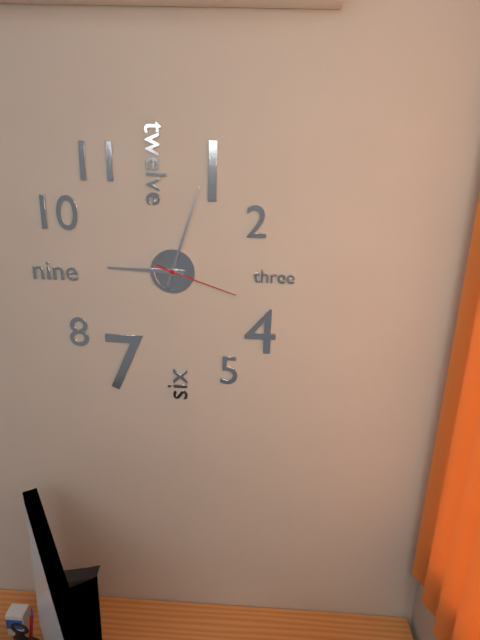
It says 9:03:18
